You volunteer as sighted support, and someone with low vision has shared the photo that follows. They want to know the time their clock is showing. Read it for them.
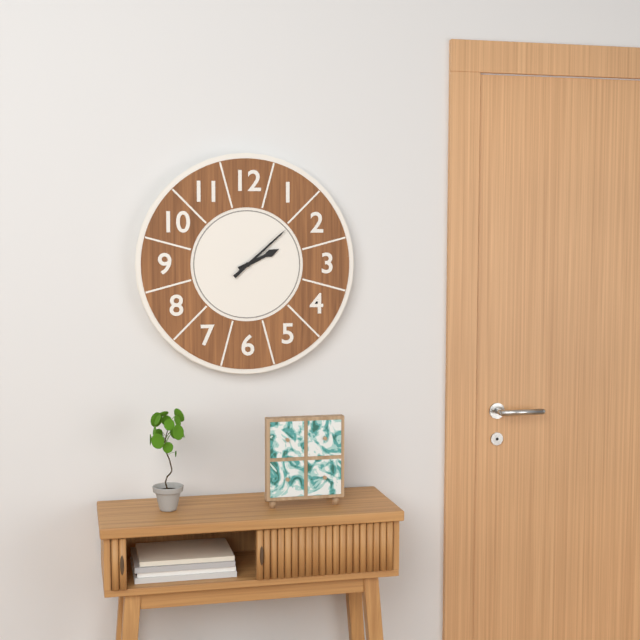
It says 2:08
